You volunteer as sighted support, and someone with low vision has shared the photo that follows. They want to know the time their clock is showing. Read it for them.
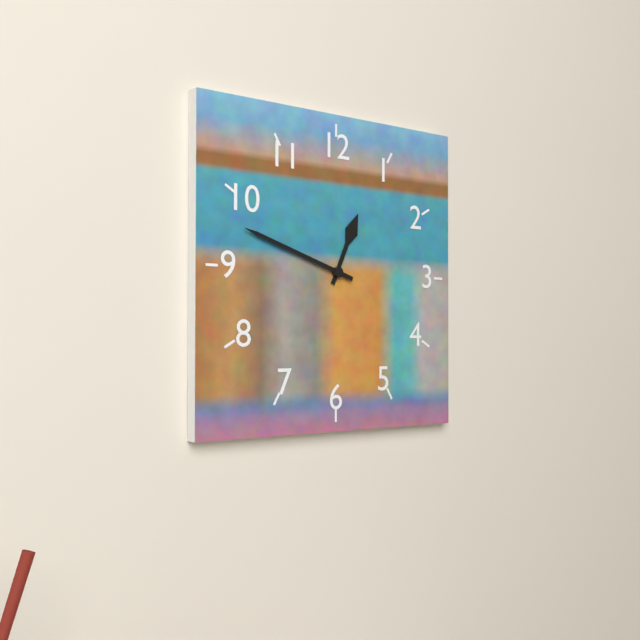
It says 12:48
